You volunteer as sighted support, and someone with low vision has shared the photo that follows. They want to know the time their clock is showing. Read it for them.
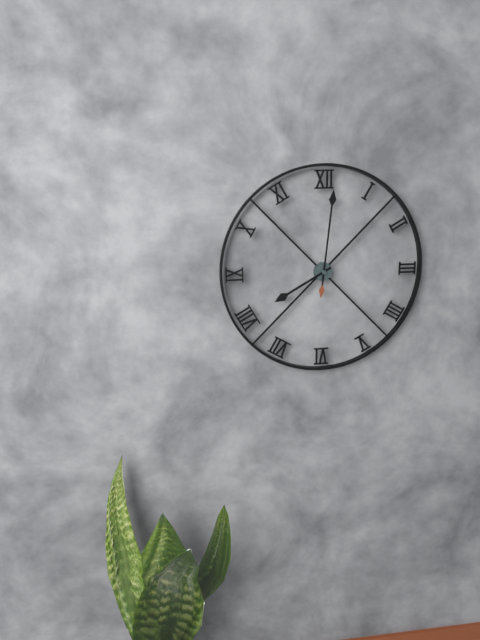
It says 8:01
